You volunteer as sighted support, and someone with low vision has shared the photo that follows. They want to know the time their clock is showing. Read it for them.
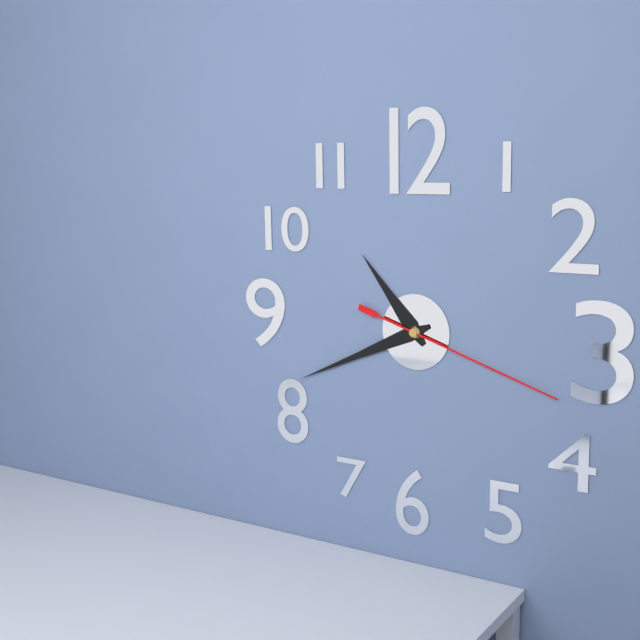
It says 10:41:18
